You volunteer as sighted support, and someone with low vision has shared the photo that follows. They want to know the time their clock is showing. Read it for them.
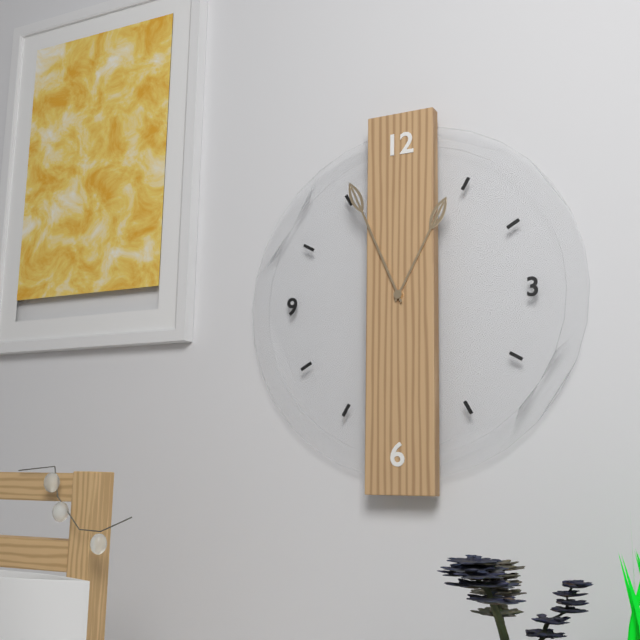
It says 12:56
